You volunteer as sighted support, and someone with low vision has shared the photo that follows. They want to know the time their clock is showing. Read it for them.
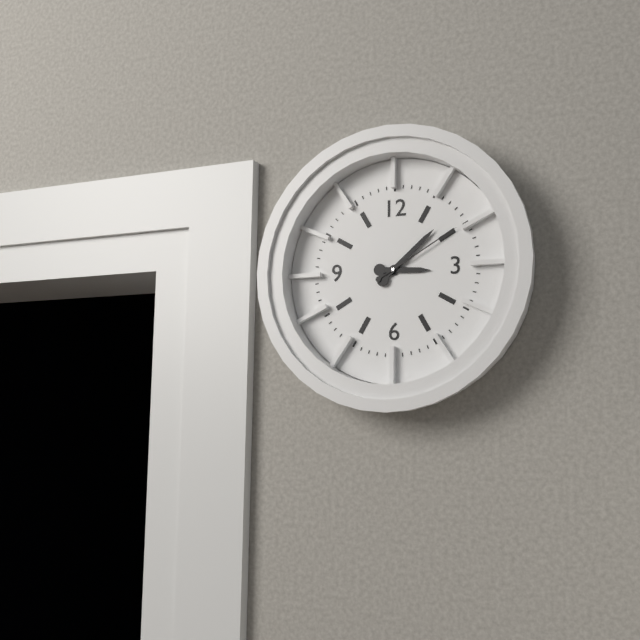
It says 3:08:10
